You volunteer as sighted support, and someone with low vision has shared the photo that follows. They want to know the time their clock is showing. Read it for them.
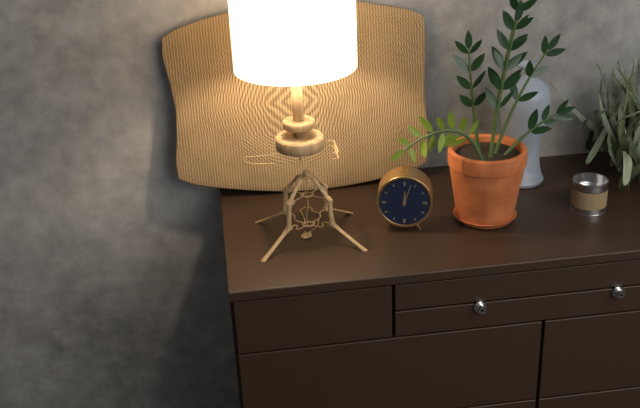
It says 12:03
